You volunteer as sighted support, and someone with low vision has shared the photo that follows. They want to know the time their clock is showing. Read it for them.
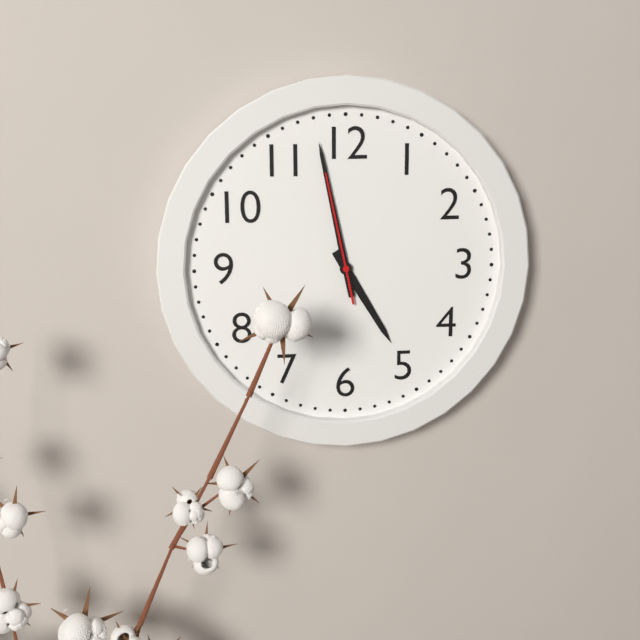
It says 4:58:58
